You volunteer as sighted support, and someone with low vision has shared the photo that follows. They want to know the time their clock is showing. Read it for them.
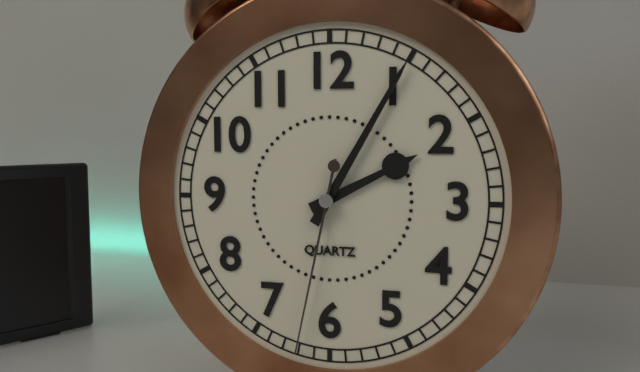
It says 2:05:32
